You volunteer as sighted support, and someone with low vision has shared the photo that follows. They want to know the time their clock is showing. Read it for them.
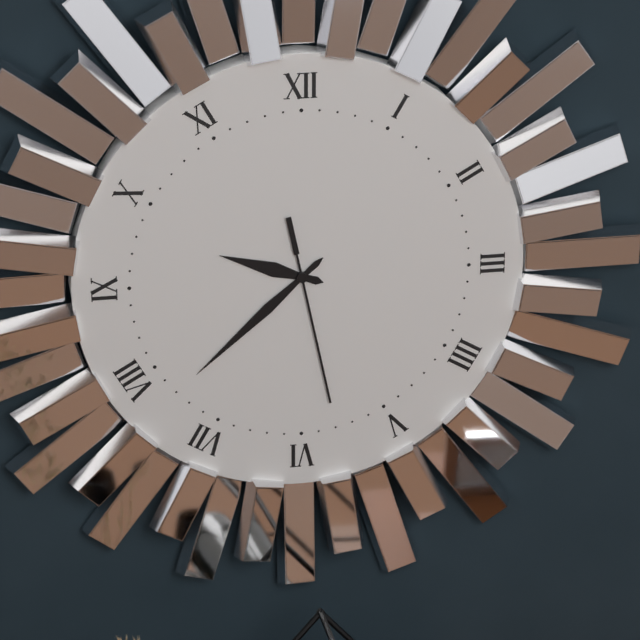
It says 9:38:28
